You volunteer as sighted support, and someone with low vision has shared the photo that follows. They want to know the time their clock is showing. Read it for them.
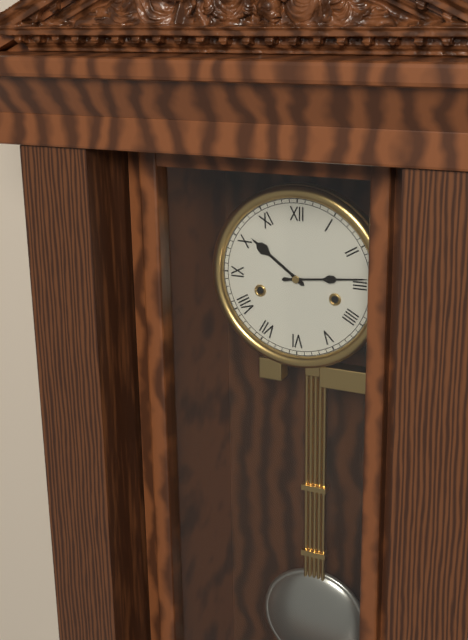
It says 10:14
